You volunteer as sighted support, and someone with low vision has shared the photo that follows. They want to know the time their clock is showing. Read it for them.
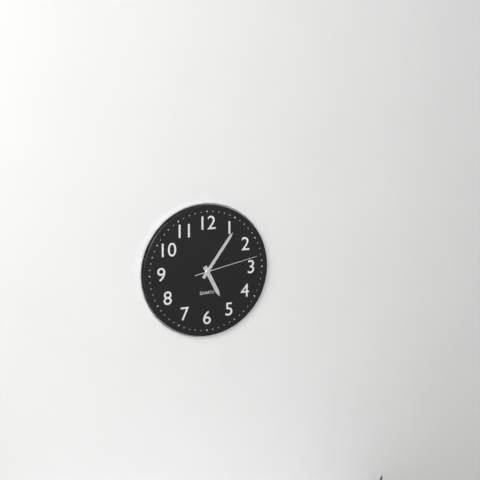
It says 5:06:13
